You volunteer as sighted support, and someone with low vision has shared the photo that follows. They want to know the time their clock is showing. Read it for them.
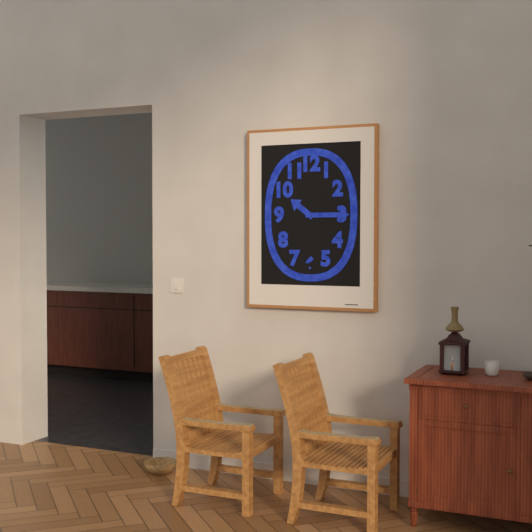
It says 10:15
